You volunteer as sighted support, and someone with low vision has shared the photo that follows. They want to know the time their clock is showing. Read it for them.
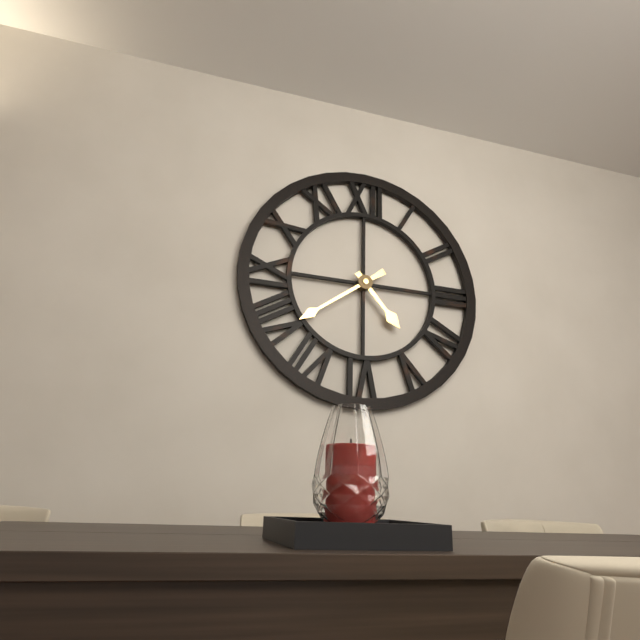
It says 4:39
